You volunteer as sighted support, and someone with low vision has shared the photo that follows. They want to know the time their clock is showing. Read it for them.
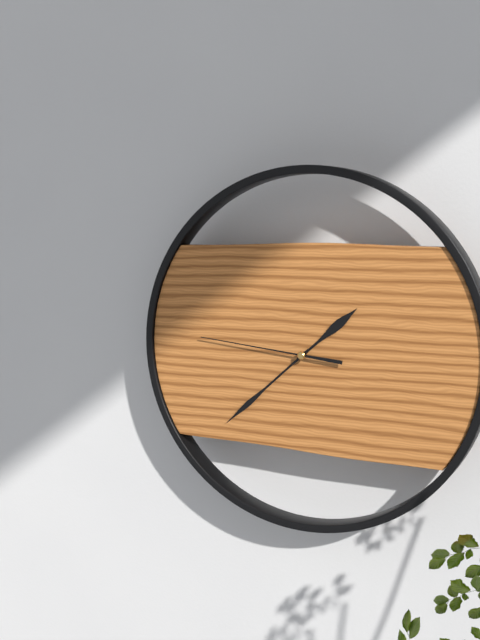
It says 1:38:46
